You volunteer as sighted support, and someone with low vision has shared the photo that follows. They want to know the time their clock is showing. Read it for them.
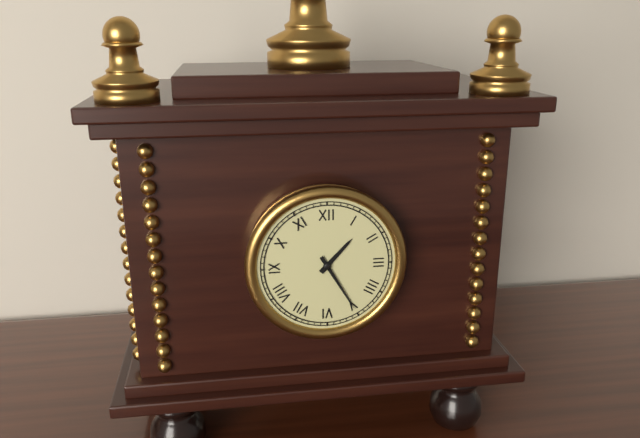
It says 1:25
